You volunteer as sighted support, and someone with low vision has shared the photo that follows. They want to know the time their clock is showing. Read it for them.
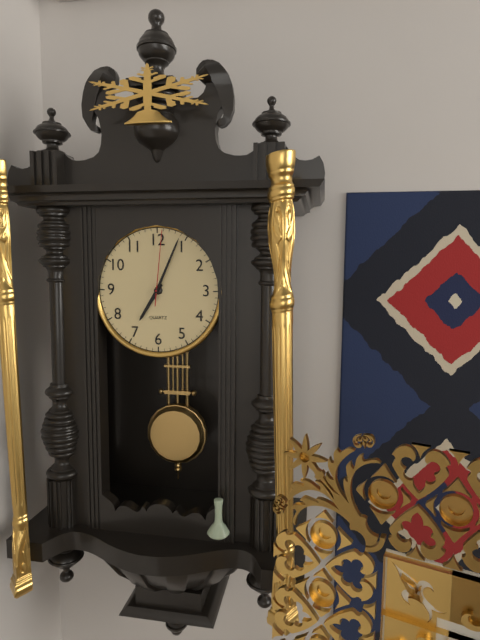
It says 7:04:01
